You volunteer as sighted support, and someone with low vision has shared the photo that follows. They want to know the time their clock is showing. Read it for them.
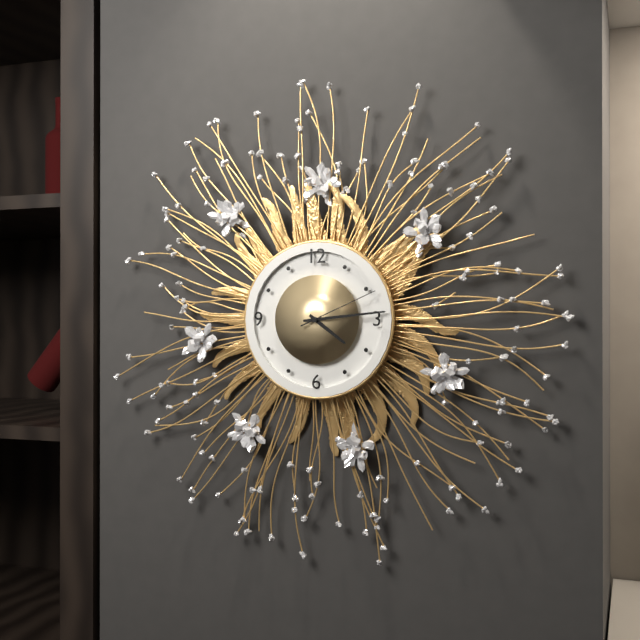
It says 4:14:11
